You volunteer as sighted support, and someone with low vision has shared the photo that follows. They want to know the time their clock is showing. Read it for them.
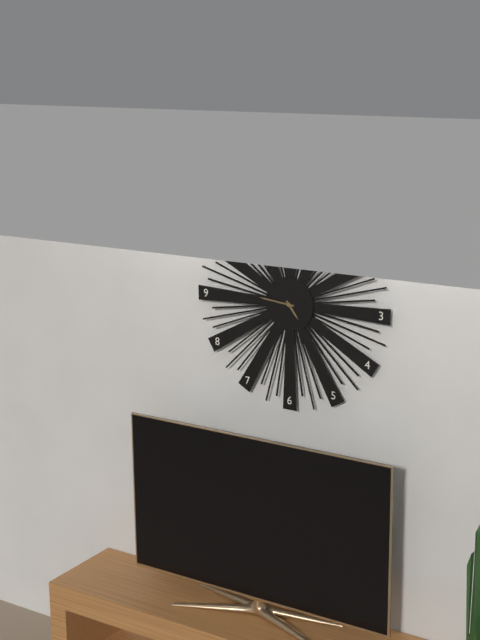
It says 4:46
